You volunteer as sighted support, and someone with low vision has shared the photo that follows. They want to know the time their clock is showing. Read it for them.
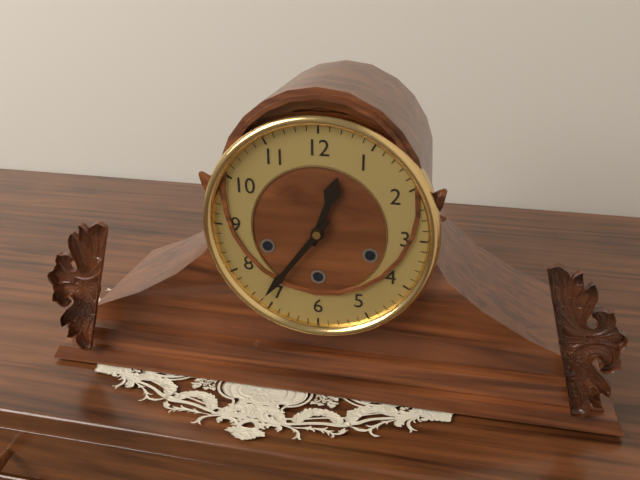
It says 12:36
